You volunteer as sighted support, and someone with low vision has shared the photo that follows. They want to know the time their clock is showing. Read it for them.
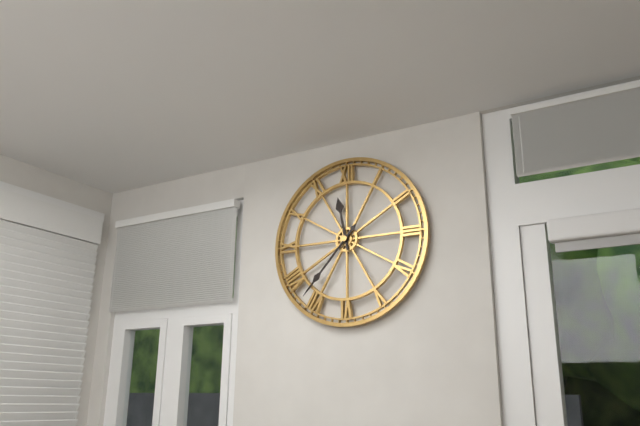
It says 11:37
